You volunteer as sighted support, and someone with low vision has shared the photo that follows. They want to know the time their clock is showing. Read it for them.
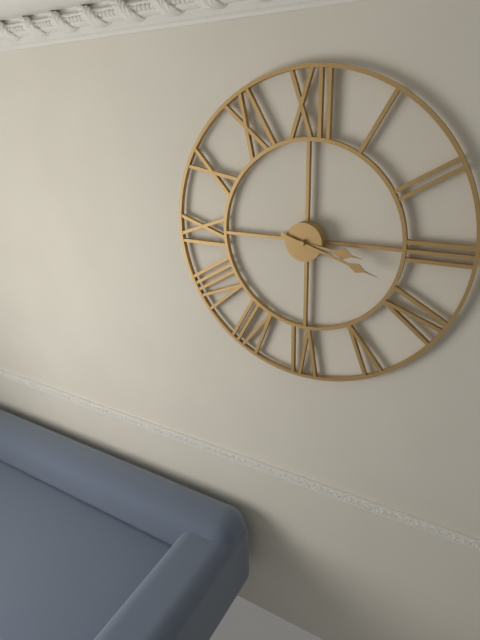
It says 3:18
